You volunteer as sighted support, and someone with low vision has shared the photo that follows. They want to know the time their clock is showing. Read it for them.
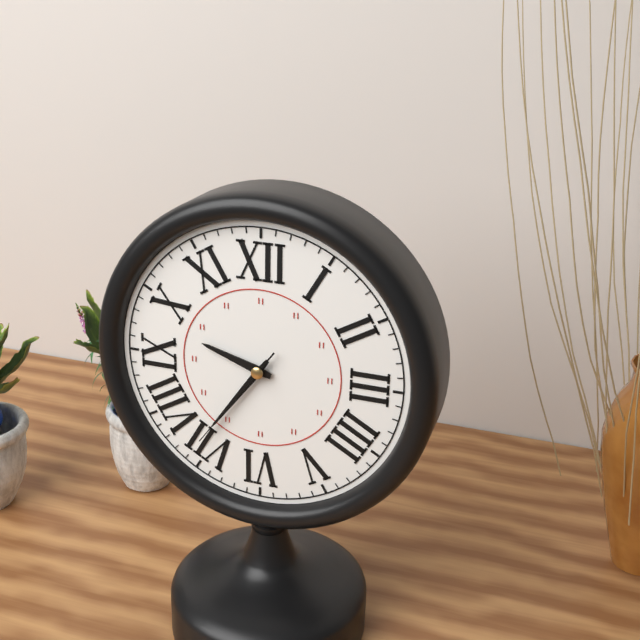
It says 9:36:36
